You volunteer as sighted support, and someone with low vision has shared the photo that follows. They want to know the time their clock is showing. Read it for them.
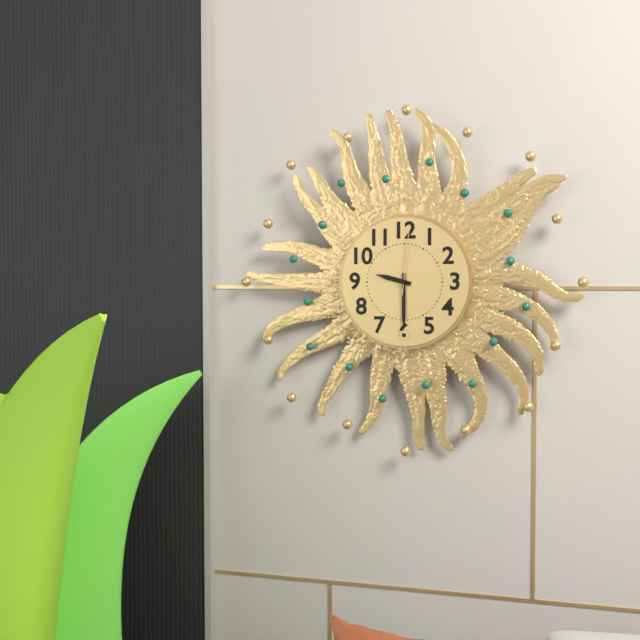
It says 9:30:01
